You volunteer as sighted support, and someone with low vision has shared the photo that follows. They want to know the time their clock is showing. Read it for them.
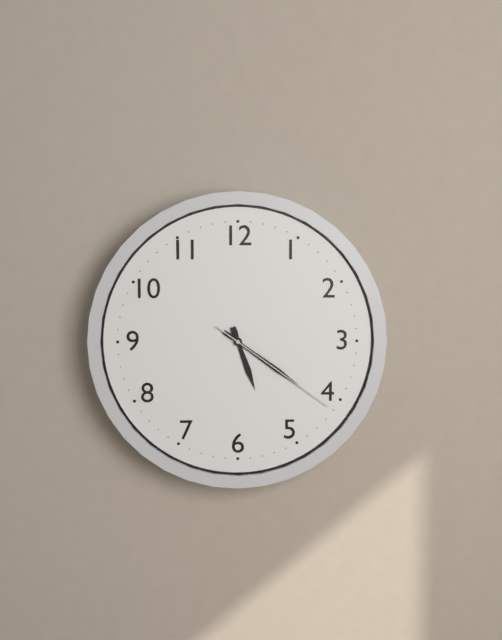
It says 5:21:21
